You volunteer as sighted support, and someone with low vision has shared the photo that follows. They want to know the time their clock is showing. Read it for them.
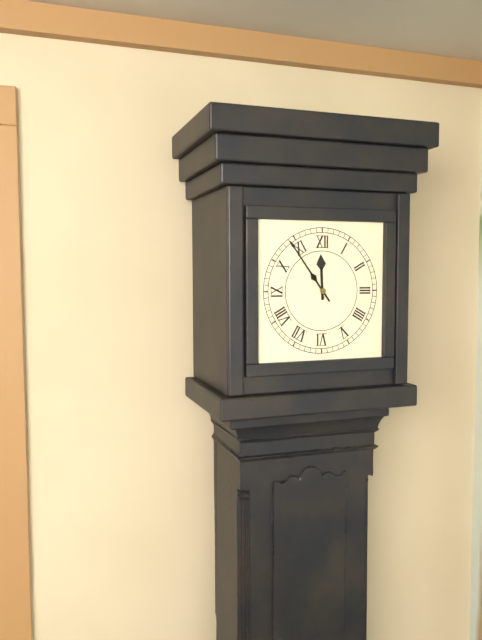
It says 11:54
